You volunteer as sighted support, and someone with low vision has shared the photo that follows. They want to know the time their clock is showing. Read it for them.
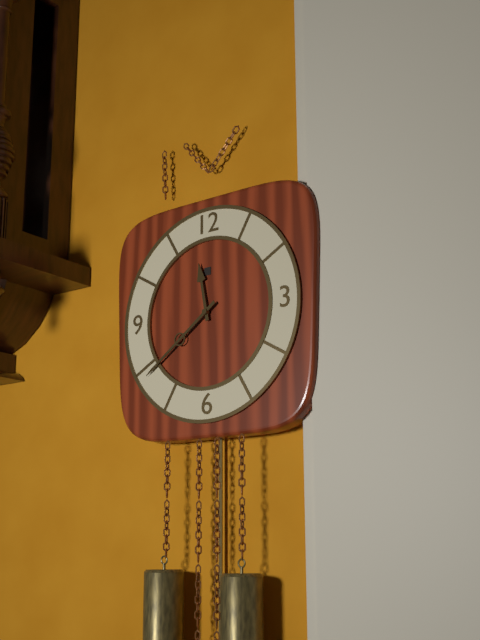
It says 11:39
